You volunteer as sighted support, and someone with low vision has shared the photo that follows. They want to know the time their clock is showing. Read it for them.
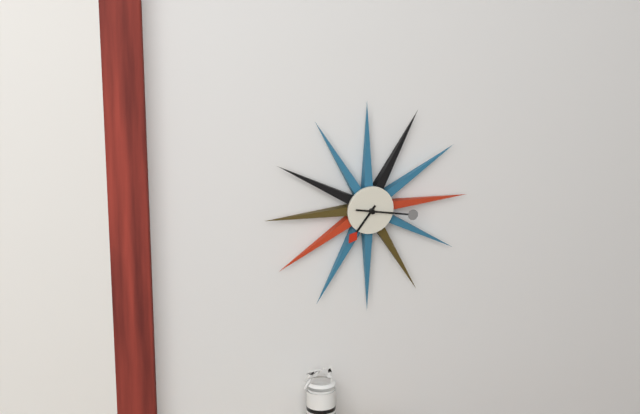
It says 7:17
